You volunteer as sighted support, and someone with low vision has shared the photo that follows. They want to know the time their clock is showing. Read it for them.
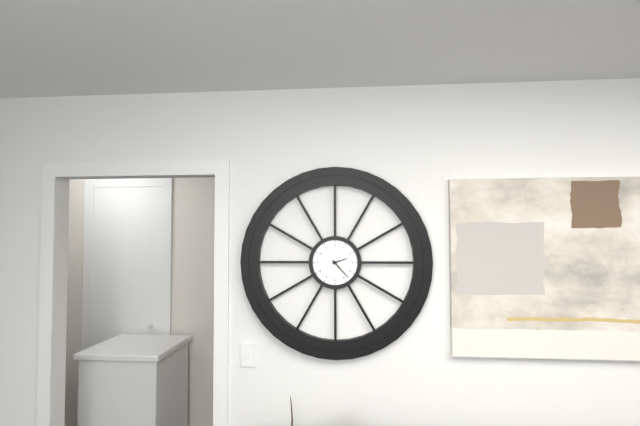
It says 2:23
